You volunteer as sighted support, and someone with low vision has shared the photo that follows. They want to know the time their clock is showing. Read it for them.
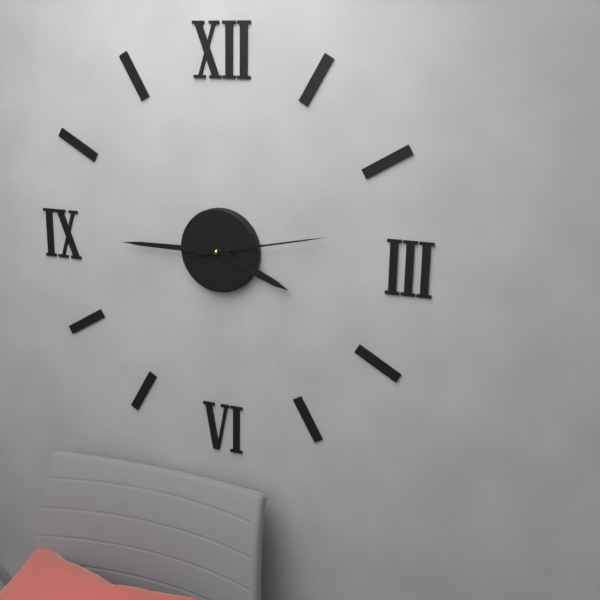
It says 3:45:13
